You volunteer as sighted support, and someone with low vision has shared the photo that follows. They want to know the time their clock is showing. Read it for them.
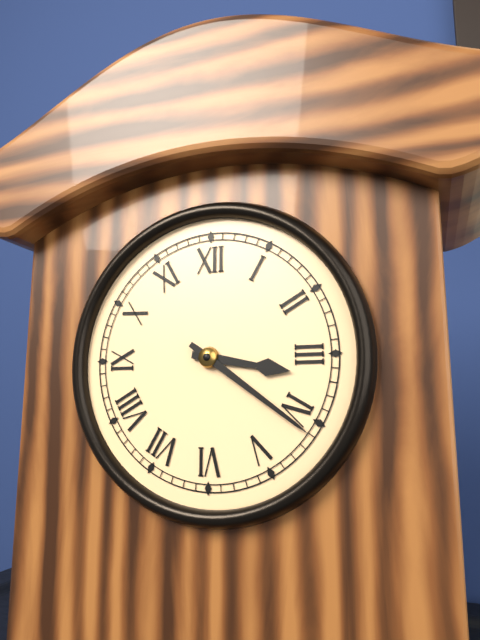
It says 3:21
